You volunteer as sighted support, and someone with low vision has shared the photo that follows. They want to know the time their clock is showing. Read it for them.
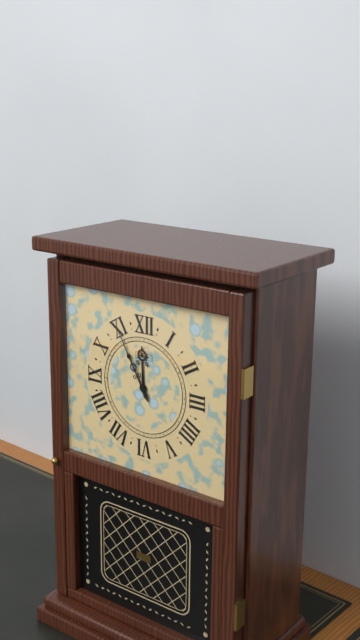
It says 11:55
